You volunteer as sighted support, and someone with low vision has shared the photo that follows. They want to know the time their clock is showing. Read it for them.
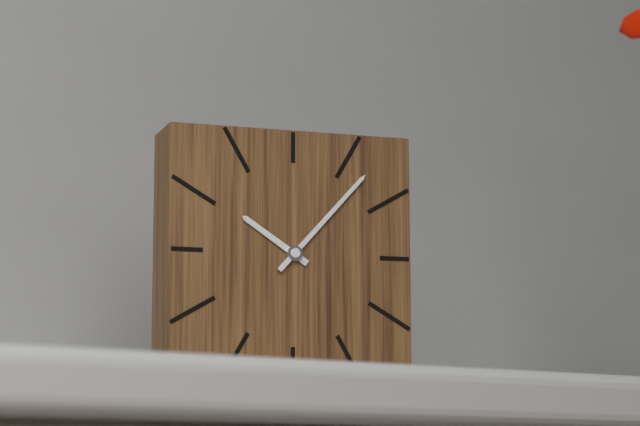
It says 10:07
